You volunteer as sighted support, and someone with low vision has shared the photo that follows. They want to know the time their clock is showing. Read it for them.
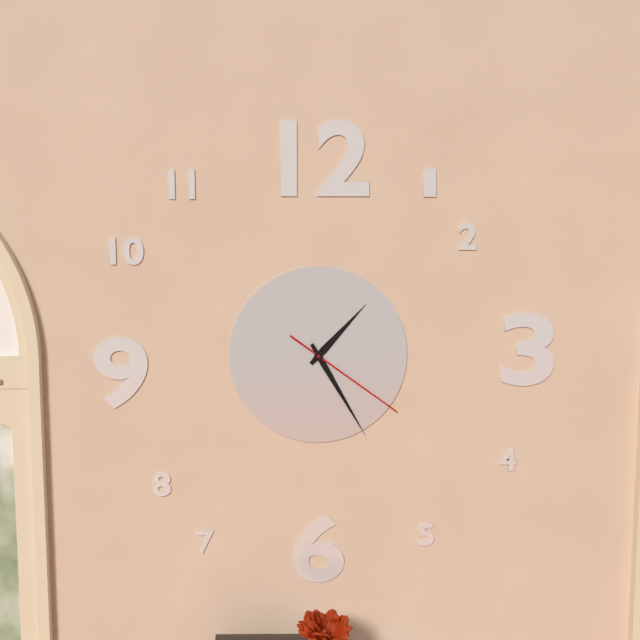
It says 1:25:21
